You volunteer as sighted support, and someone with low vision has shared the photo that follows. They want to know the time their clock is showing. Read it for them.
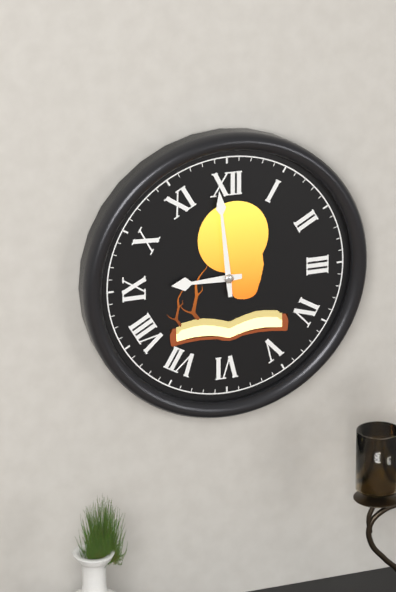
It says 8:59
